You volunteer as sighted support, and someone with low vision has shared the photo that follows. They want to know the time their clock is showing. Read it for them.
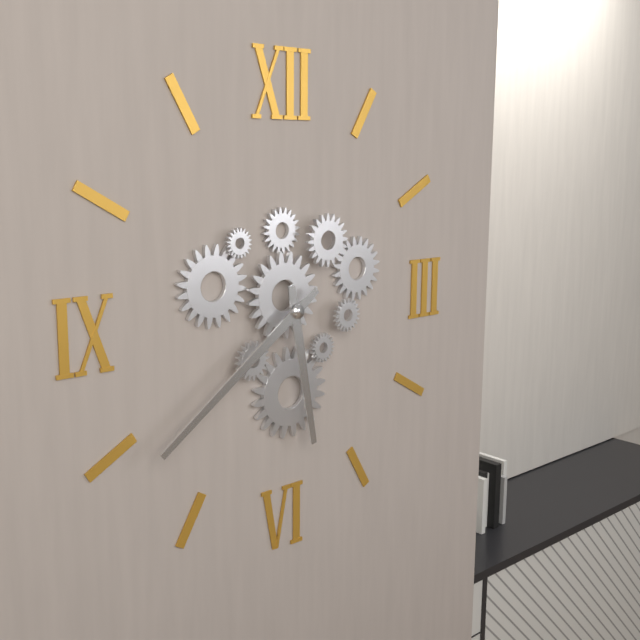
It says 5:39
